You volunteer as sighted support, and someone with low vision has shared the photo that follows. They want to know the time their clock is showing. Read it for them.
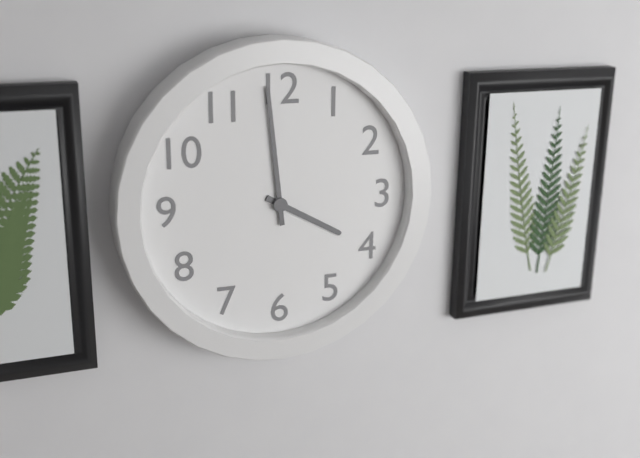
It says 3:59
